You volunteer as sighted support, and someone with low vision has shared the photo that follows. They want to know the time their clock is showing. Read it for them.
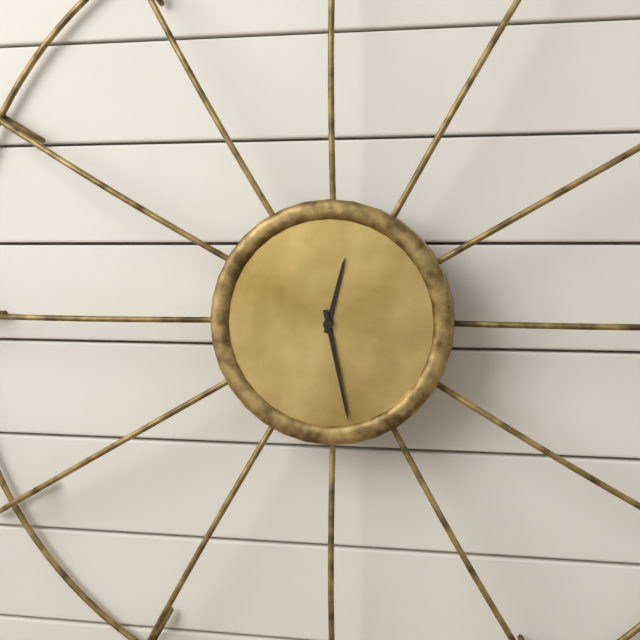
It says 12:28
